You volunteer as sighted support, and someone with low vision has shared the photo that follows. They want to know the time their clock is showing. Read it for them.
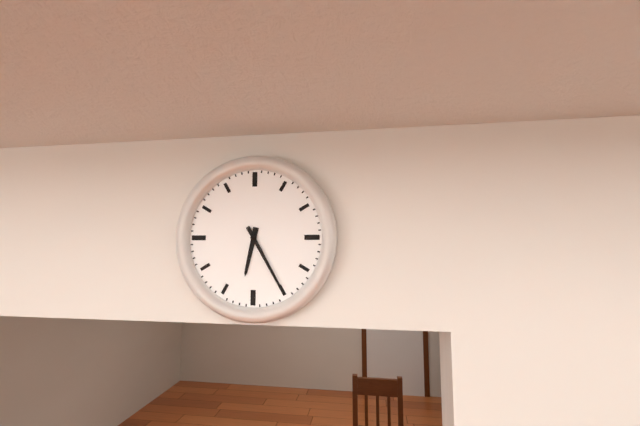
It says 6:25
